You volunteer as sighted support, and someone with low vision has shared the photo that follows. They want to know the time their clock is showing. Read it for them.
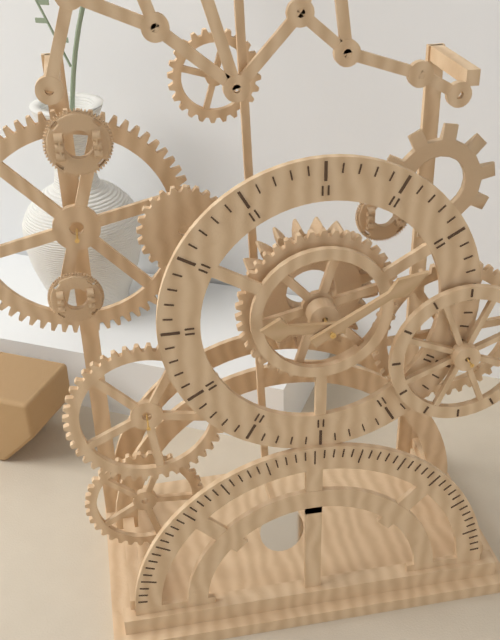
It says 9:10
